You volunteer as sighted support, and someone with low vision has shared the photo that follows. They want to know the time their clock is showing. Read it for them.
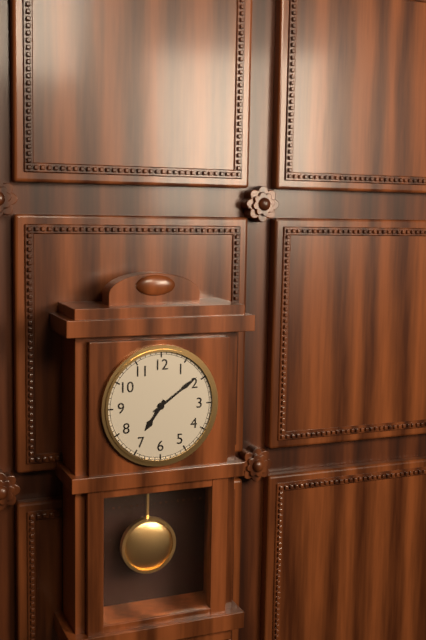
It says 7:09
